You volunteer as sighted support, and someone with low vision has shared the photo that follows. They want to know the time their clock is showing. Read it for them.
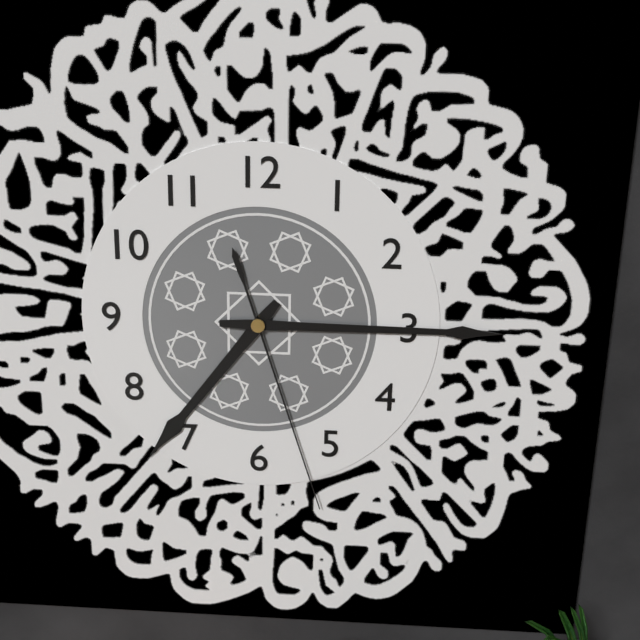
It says 7:15:27
